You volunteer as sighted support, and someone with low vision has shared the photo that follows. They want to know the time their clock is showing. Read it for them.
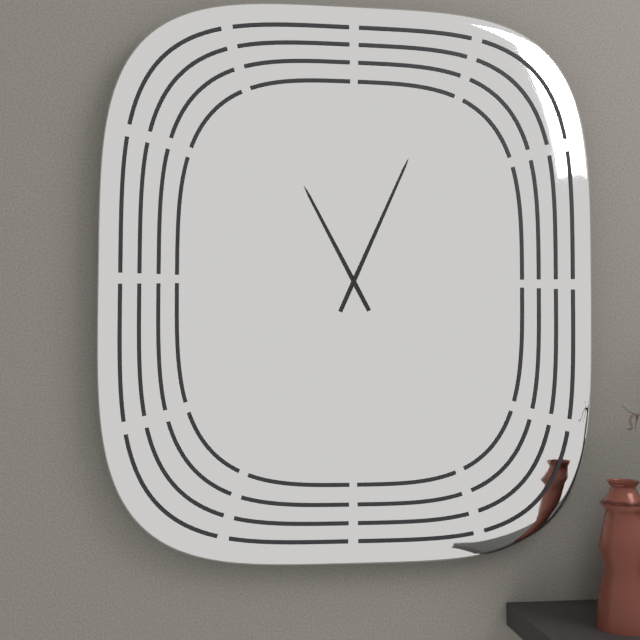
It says 11:04
